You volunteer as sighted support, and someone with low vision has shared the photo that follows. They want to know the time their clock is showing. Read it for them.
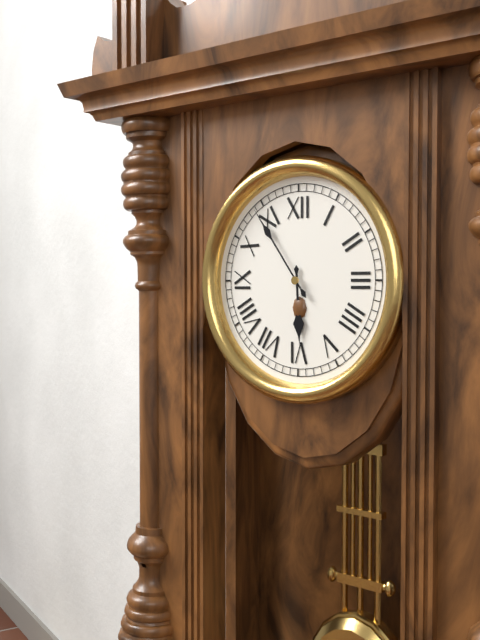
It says 5:54
